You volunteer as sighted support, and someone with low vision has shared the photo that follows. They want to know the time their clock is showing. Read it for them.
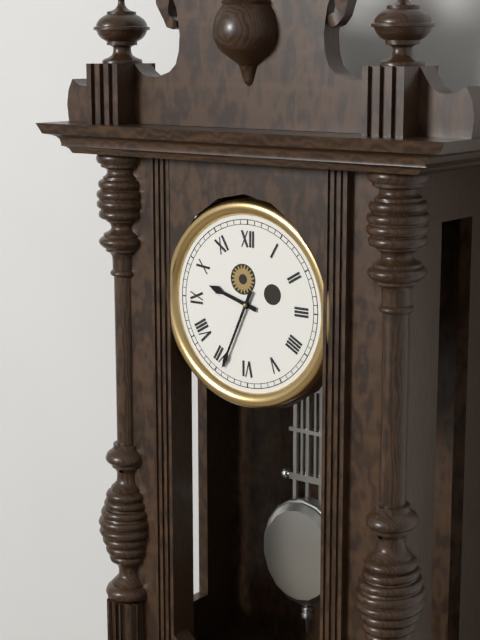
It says 9:34
